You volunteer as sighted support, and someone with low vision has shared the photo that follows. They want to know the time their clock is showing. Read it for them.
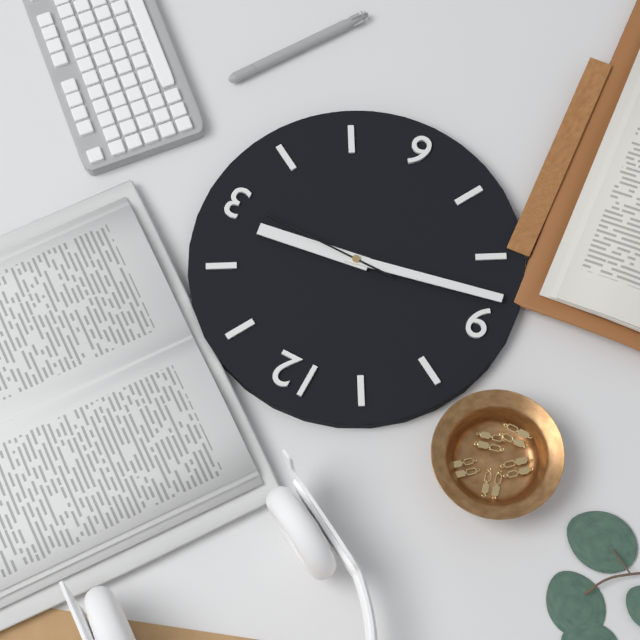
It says 2:43:15
